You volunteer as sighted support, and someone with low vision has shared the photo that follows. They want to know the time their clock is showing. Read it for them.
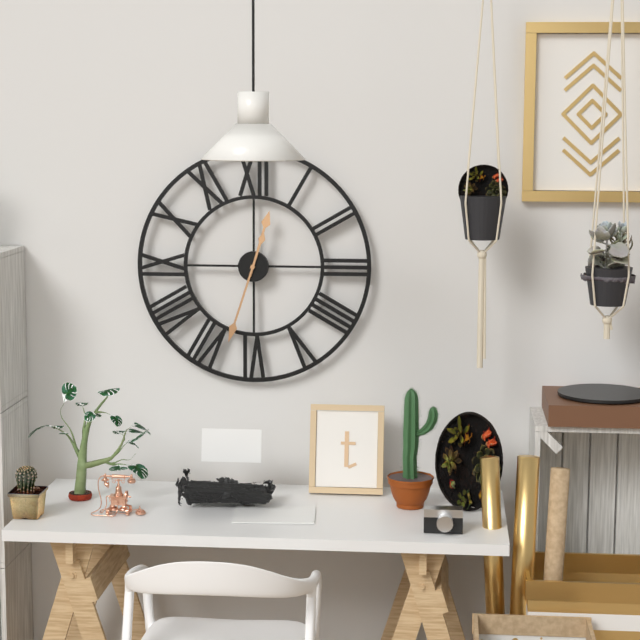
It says 12:33
